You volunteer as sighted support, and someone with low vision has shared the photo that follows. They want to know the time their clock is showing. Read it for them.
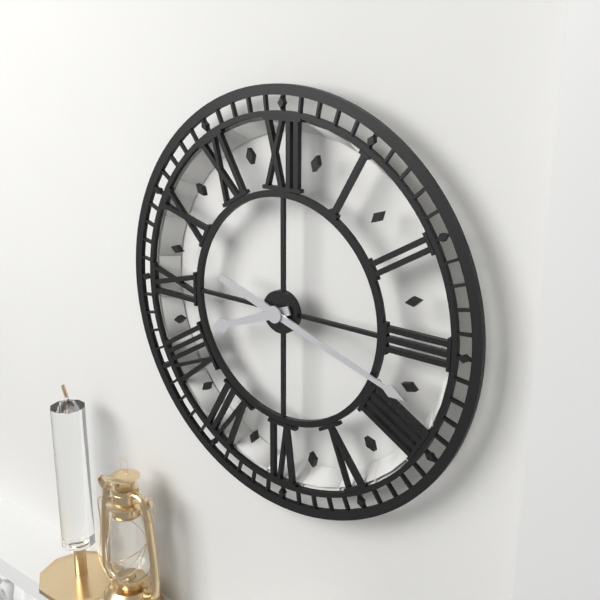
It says 8:18
